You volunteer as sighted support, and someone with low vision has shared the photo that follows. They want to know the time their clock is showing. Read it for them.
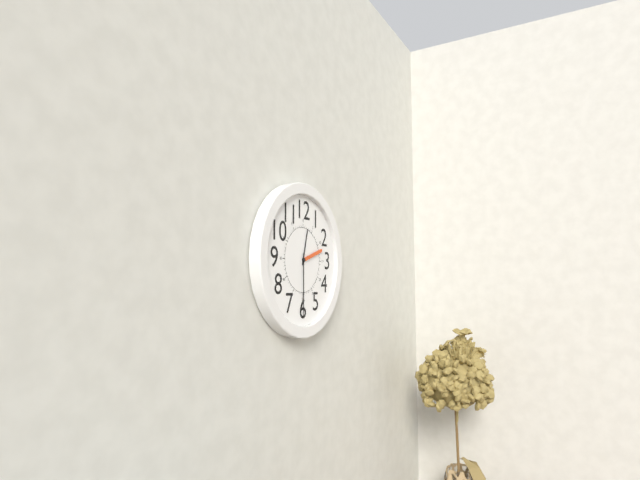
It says 12:30
